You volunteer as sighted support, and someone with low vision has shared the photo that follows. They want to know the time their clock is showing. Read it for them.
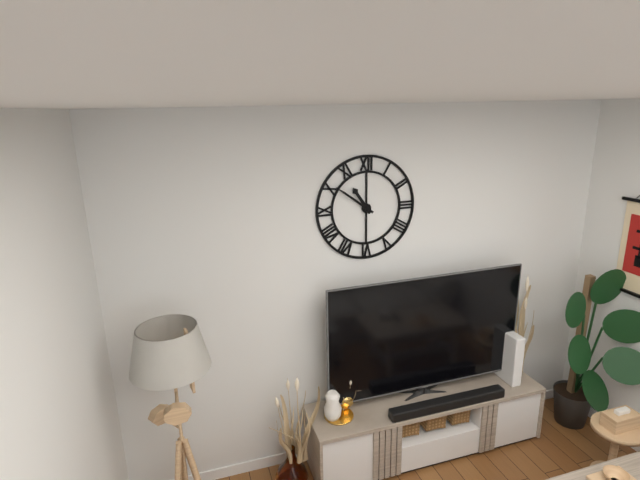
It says 10:51
